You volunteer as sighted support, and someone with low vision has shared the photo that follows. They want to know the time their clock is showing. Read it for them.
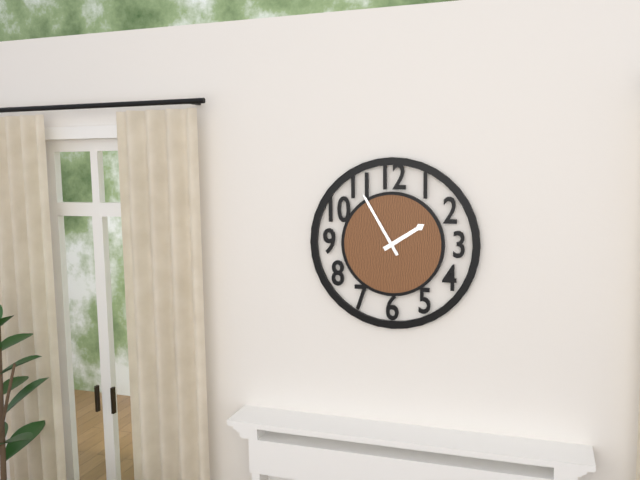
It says 1:55
